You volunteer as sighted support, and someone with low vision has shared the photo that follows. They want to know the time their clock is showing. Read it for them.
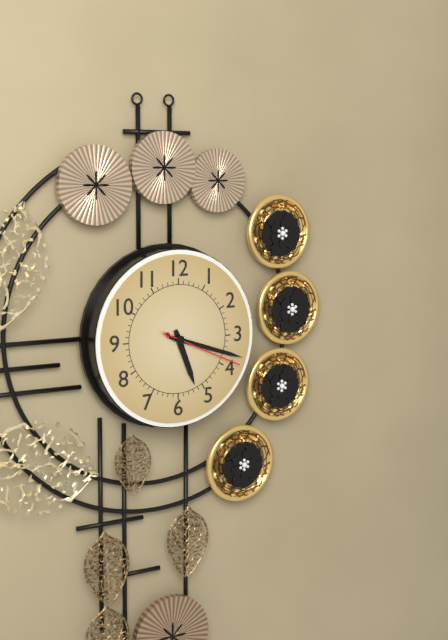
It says 5:18:19
